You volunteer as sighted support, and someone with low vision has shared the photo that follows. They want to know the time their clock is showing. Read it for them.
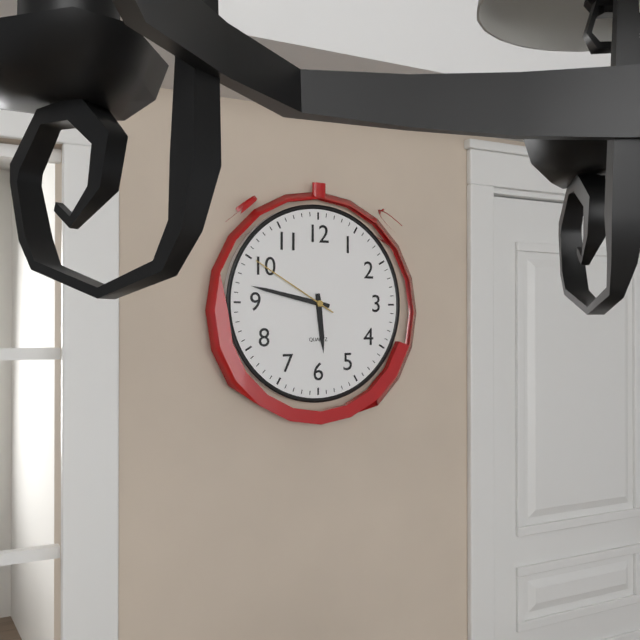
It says 5:47:50
